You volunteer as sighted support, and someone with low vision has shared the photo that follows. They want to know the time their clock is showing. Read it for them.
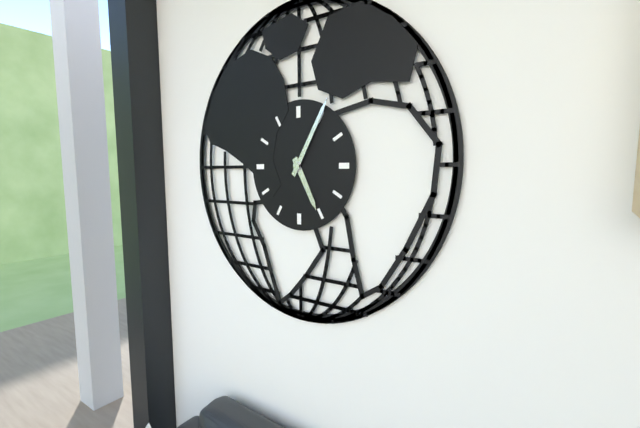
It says 5:05
